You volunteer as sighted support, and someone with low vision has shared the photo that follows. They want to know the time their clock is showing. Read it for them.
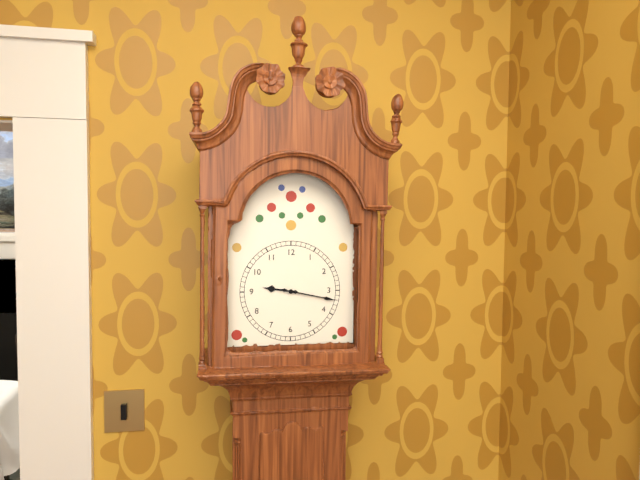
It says 9:17
